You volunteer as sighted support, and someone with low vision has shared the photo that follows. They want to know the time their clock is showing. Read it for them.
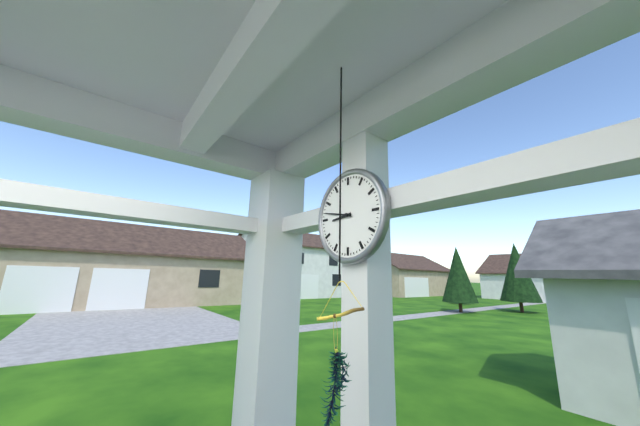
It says 8:47
